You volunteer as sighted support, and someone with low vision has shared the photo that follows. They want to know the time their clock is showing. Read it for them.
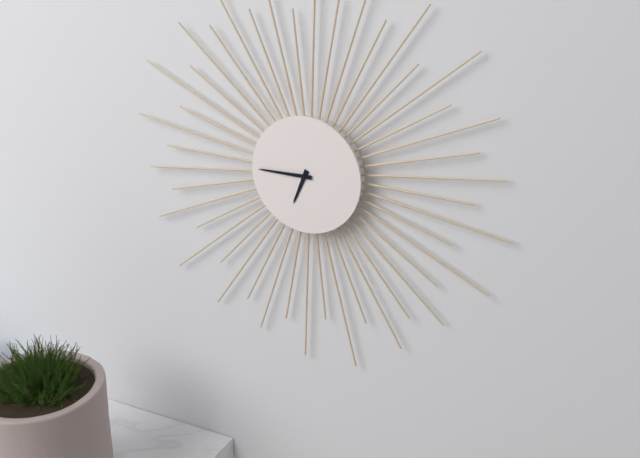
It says 6:45
